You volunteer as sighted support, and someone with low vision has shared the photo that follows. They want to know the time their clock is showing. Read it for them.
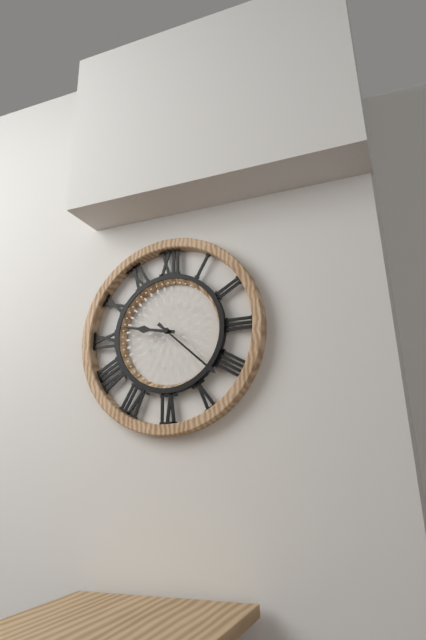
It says 9:22
